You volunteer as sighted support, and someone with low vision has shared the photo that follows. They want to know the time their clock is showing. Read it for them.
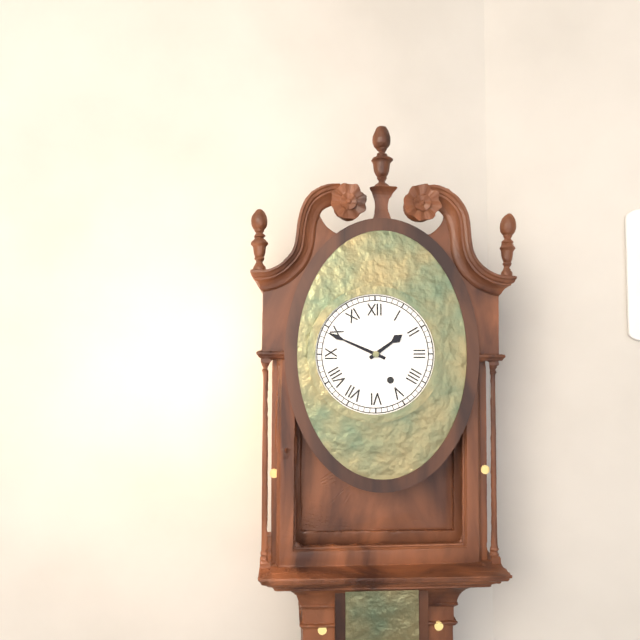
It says 1:49
